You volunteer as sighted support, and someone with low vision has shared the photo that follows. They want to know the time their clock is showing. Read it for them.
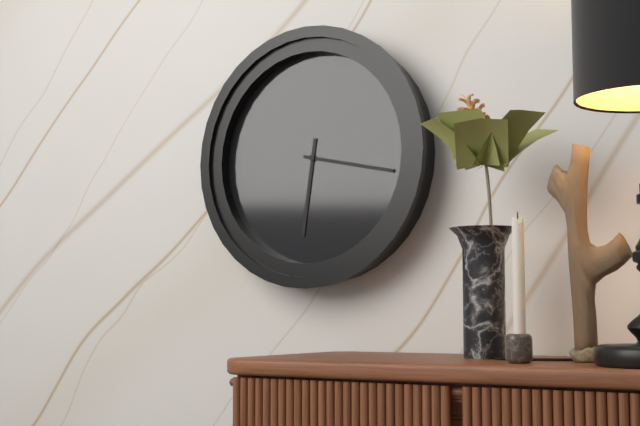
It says 6:17
